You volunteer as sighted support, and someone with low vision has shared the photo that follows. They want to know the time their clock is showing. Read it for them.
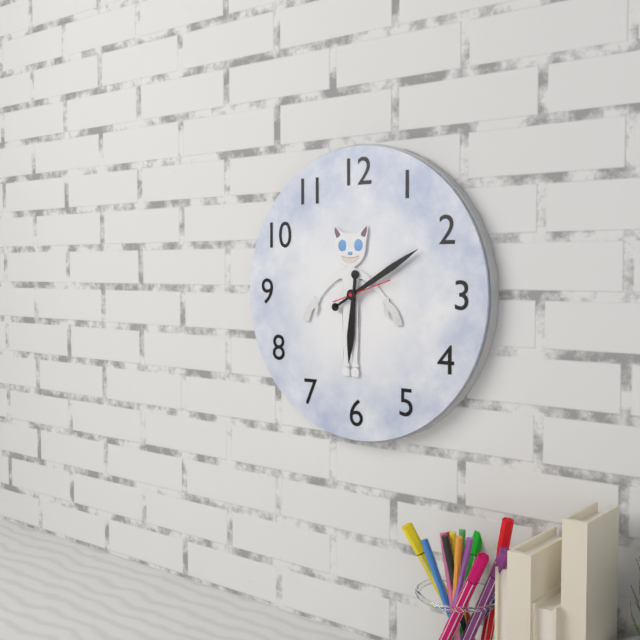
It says 6:10:12
